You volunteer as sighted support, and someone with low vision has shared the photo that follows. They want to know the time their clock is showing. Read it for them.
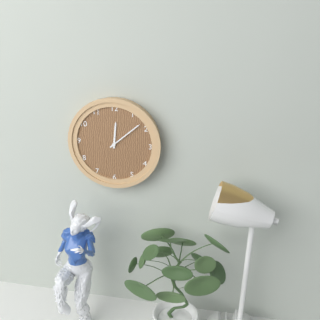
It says 12:08
